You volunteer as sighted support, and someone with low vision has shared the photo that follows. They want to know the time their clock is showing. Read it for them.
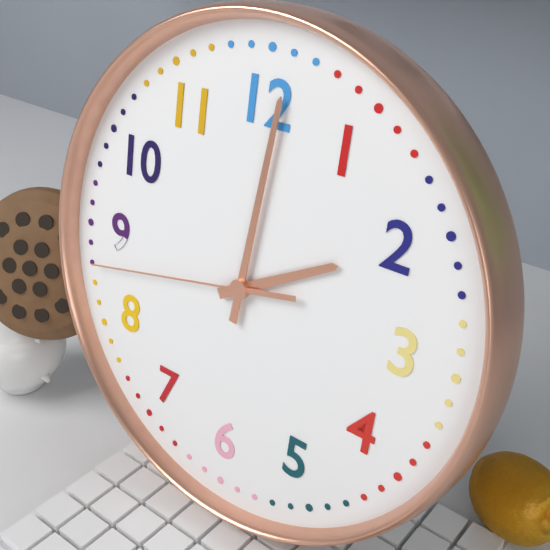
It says 2:01:43
